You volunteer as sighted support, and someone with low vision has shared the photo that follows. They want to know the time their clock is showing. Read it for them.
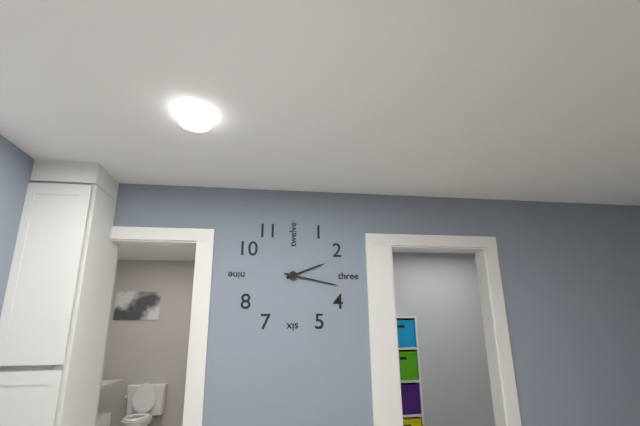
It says 2:17
